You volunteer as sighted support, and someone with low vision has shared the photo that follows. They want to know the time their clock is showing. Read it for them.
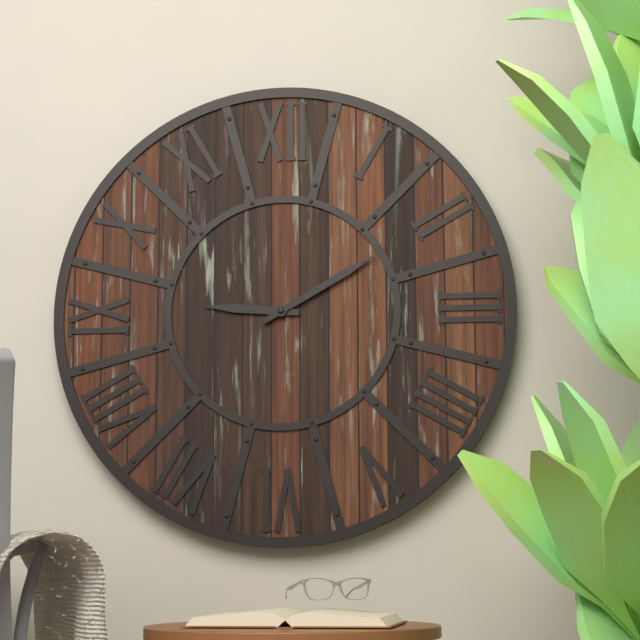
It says 9:10
